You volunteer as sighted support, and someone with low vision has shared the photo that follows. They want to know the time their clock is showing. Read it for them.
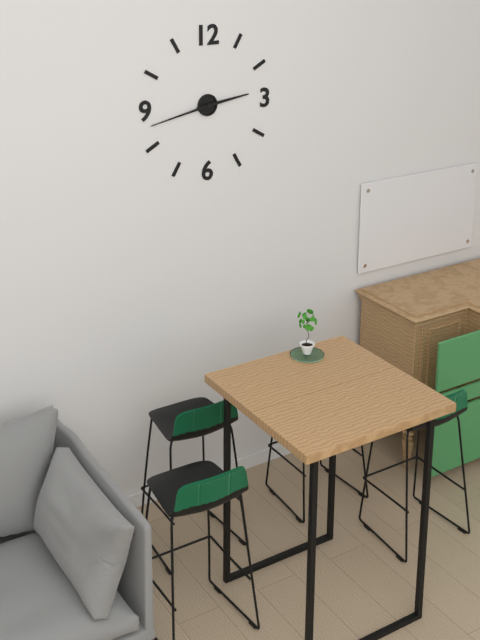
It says 2:43
